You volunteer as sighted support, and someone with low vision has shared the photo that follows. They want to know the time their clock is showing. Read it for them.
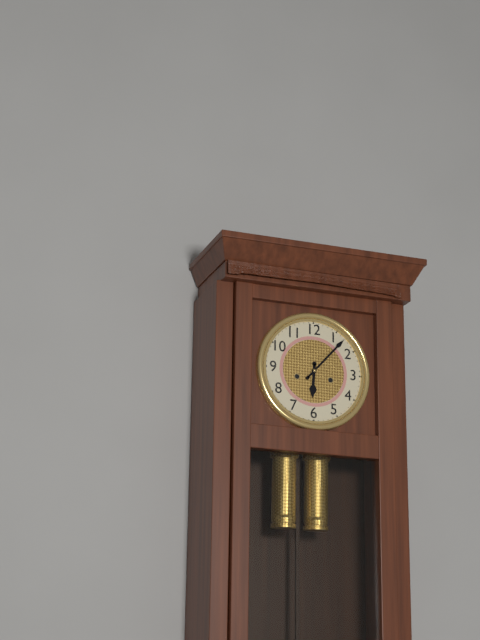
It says 6:07
